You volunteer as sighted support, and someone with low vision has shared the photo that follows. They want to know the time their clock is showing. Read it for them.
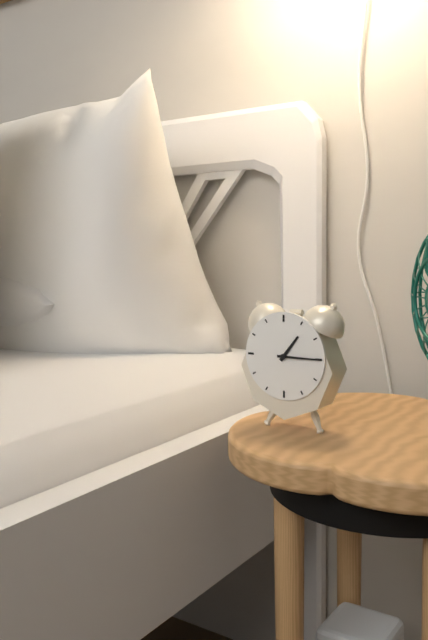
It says 1:15
